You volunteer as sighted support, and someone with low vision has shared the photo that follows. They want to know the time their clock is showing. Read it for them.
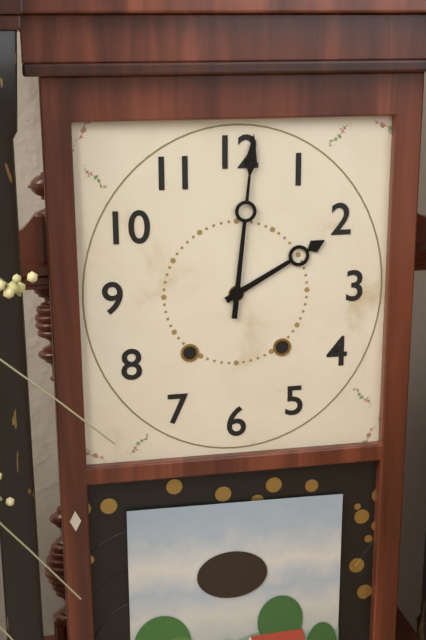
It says 2:01
